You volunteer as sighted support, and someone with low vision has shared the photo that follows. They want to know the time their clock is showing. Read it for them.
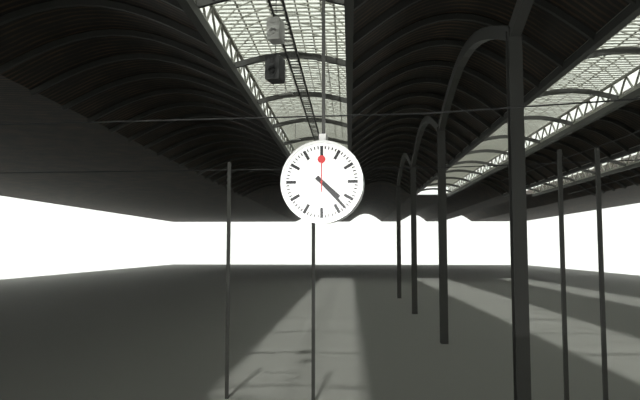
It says 4:23
